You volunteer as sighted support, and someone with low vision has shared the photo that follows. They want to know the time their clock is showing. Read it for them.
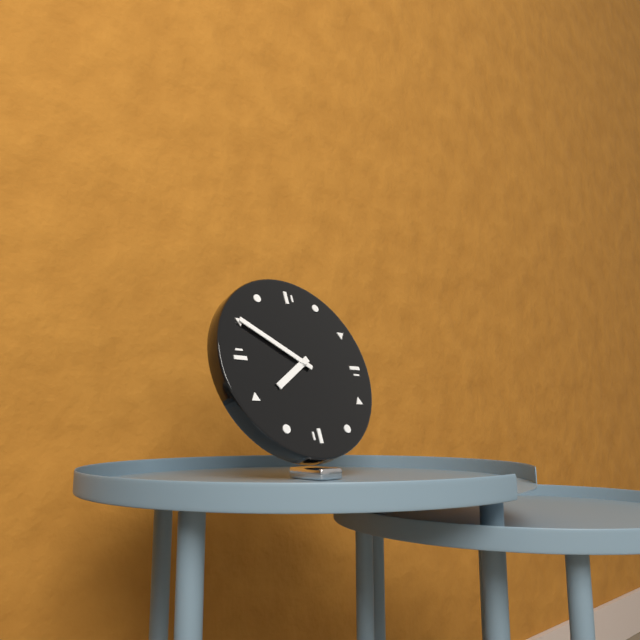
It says 7:50
